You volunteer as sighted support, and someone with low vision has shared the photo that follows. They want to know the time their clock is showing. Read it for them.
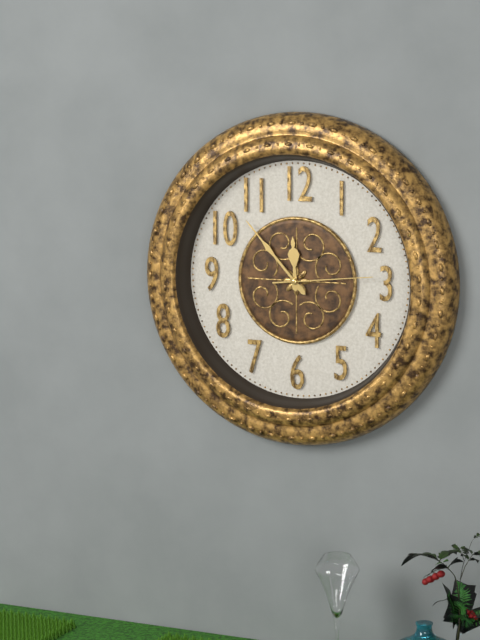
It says 11:53:14
